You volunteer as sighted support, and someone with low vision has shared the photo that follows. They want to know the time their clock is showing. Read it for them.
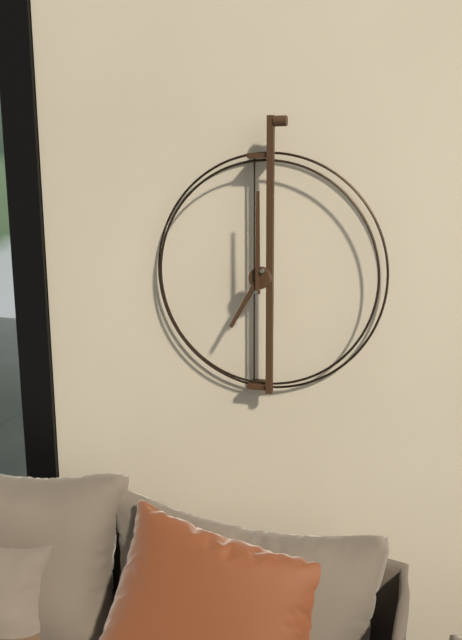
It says 7:00
